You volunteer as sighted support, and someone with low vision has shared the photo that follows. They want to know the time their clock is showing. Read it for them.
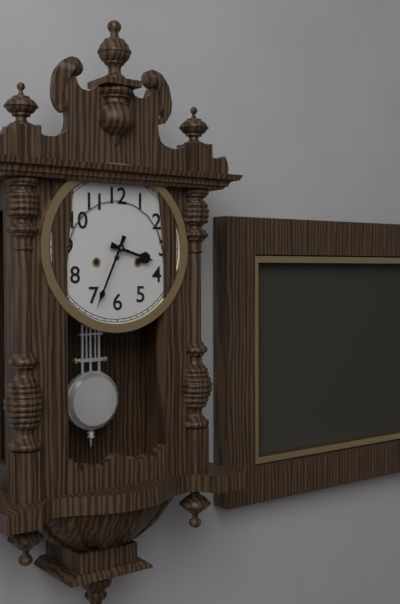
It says 3:34
